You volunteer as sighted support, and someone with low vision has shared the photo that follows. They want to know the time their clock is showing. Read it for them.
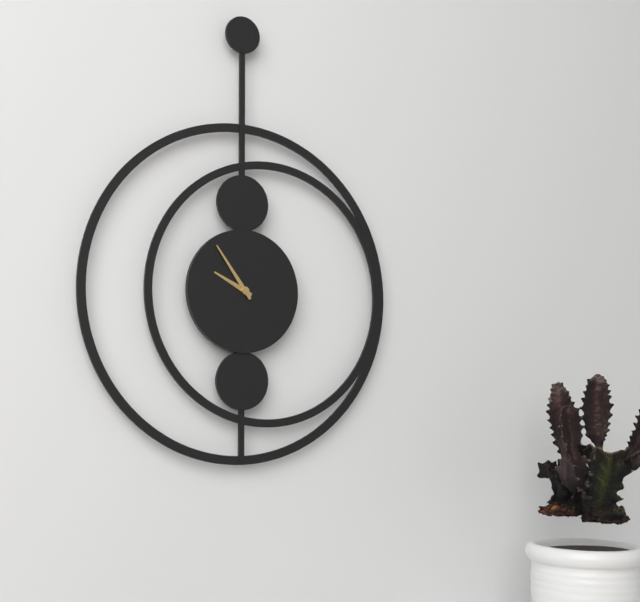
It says 9:54
